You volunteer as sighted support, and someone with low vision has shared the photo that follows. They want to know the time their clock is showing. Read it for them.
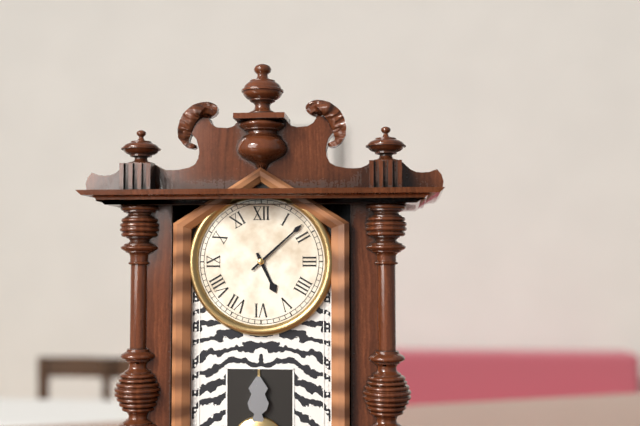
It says 5:08
